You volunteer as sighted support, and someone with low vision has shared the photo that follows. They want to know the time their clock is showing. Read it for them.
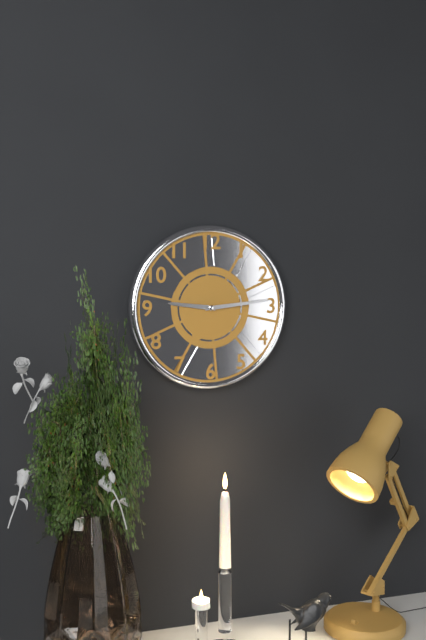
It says 9:14
